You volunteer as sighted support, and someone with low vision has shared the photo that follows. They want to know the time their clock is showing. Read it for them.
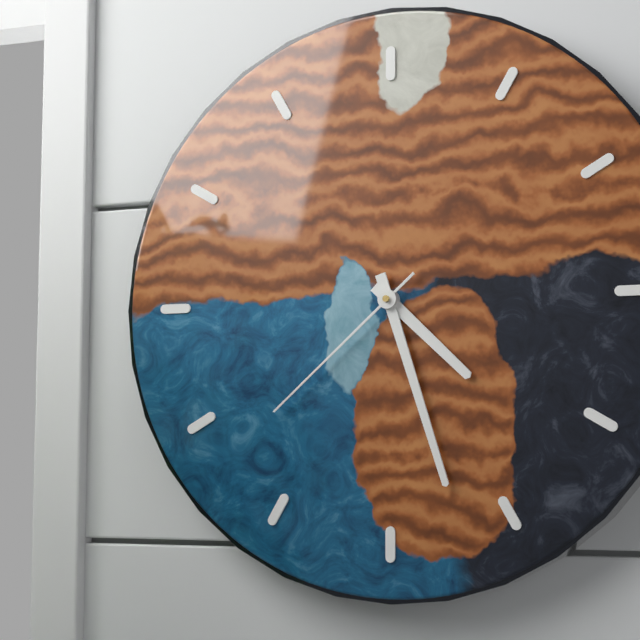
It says 4:27:38
